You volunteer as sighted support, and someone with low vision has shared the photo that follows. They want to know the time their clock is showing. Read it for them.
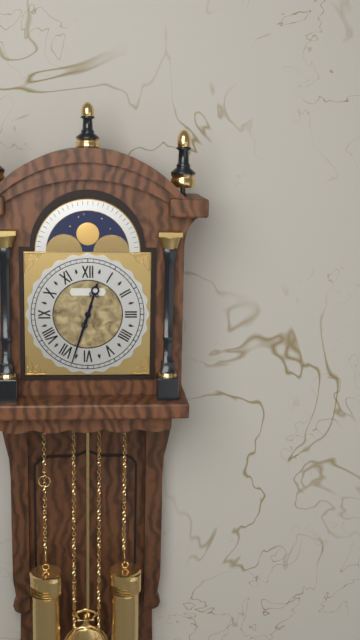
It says 12:33
